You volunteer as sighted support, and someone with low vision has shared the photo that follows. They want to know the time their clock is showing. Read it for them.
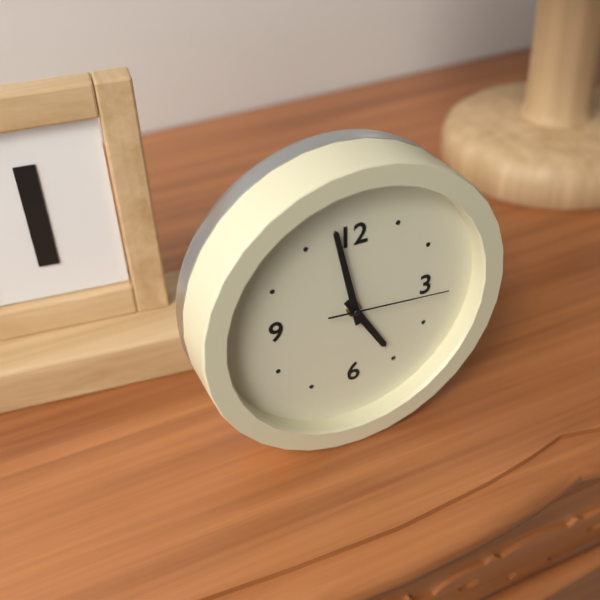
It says 4:58:16
